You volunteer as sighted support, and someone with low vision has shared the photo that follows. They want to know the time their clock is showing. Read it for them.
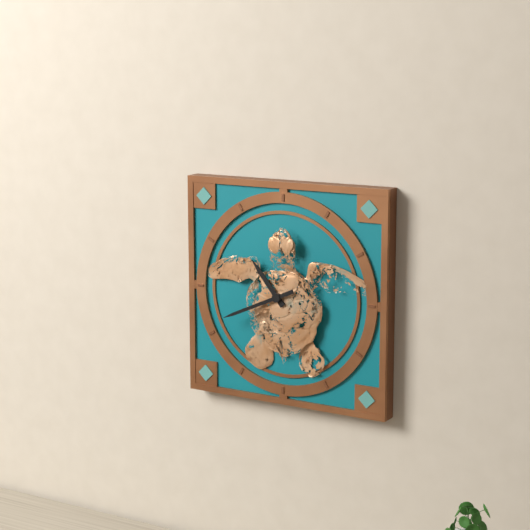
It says 10:41
